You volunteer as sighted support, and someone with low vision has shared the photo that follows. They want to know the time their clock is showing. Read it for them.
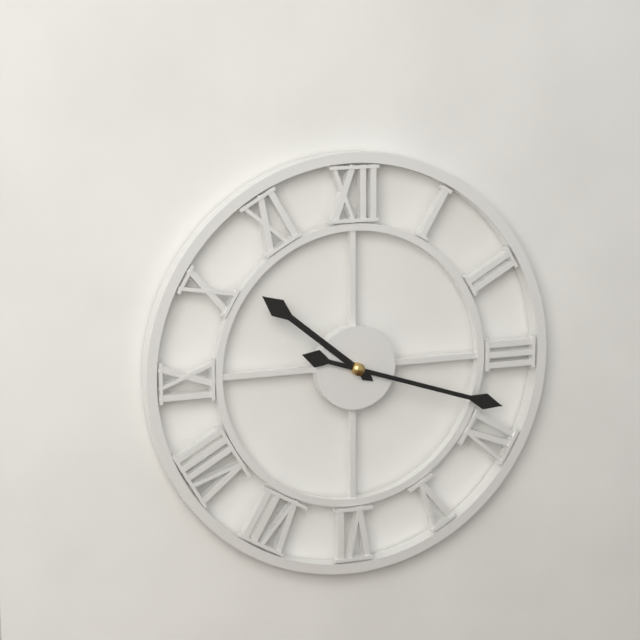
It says 10:18
